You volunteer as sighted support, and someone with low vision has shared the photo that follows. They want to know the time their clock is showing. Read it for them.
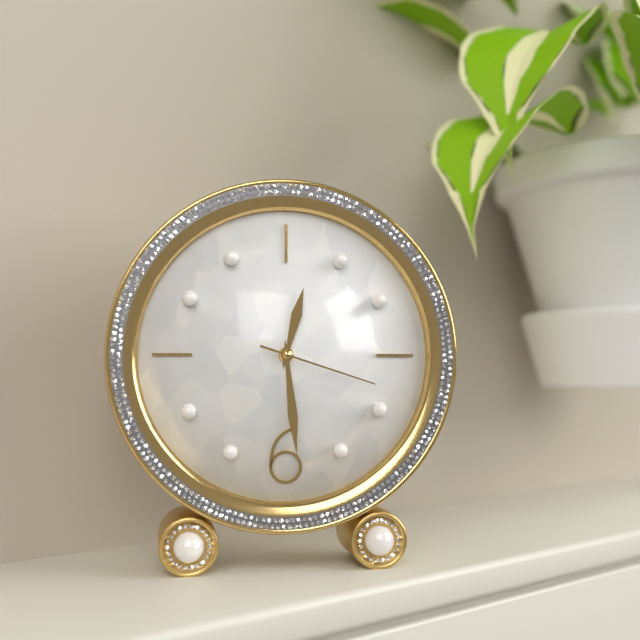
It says 12:29:18
